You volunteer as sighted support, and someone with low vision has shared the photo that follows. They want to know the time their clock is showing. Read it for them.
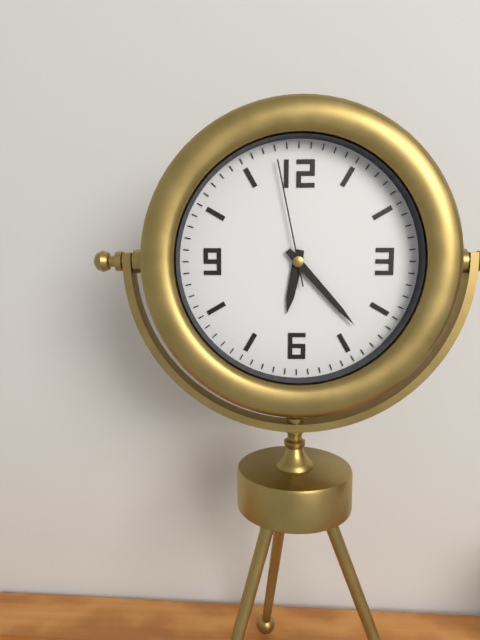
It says 6:23:58
